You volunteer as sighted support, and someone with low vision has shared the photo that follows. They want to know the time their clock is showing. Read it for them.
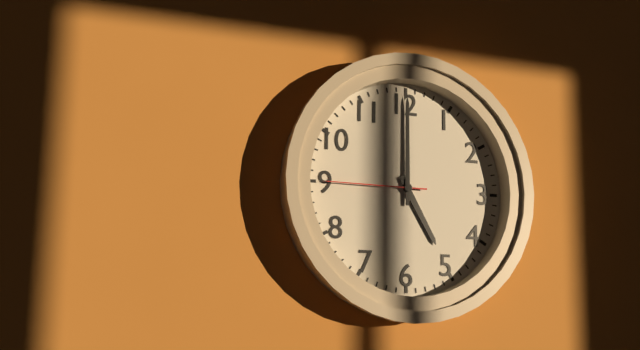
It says 5:00:45
